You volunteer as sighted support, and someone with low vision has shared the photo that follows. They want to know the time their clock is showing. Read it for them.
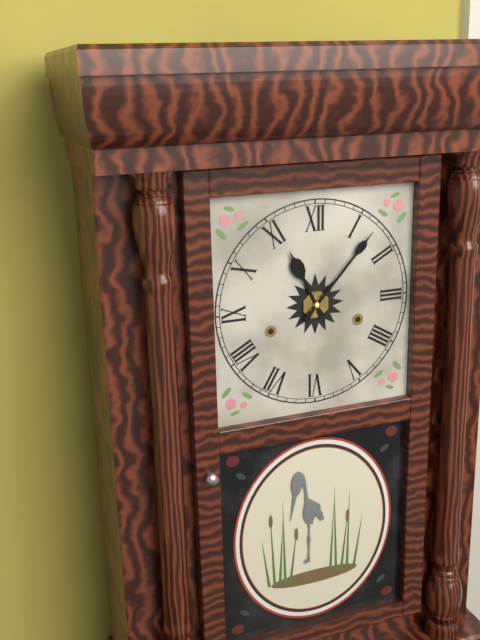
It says 11:07
